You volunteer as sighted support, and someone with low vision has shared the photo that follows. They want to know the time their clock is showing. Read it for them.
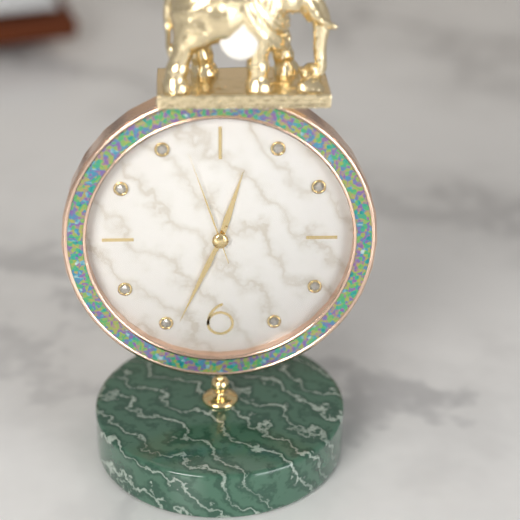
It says 12:34:57
